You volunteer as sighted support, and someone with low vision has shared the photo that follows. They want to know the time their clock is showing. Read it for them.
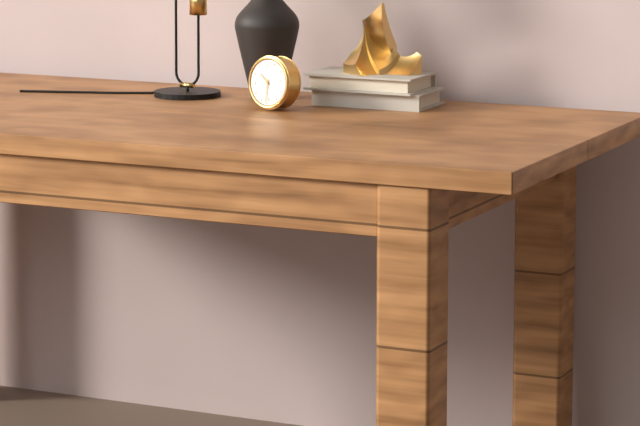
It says 10:32
